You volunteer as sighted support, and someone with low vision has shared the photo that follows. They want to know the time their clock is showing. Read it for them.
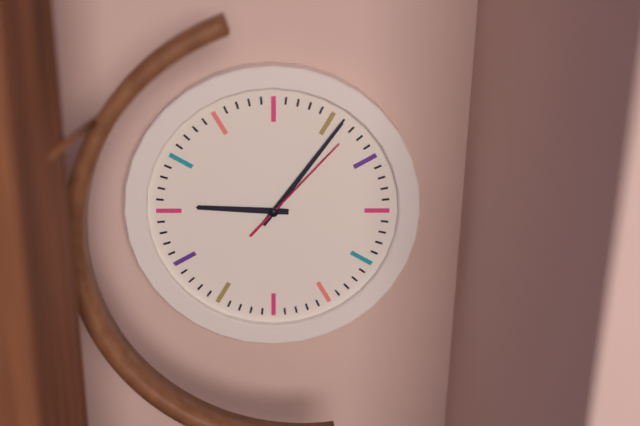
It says 9:06:07
